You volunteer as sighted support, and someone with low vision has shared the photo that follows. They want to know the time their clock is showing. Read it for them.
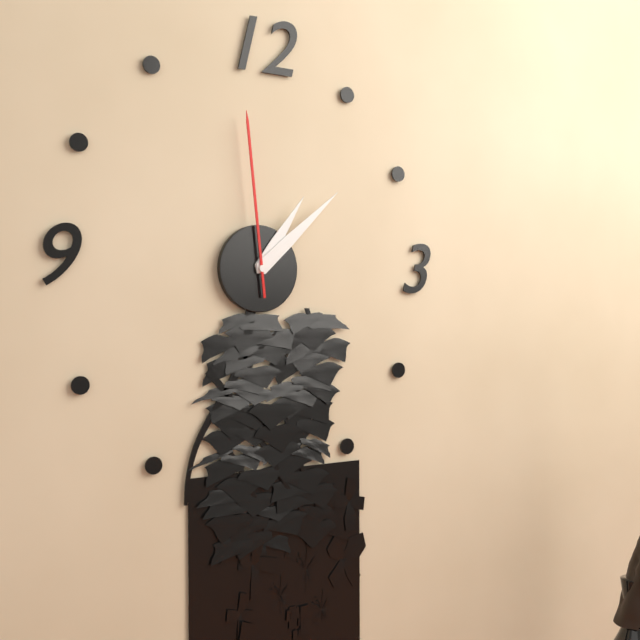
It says 1:08:59
